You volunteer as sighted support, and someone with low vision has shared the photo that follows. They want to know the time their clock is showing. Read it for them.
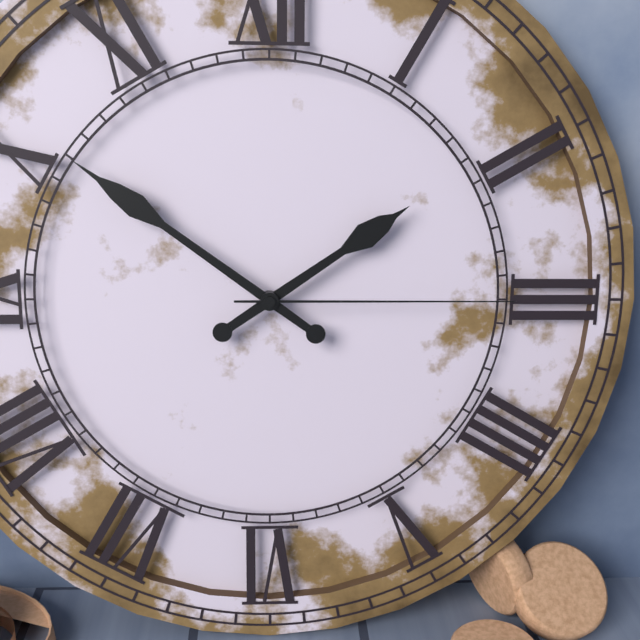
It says 1:51:15
